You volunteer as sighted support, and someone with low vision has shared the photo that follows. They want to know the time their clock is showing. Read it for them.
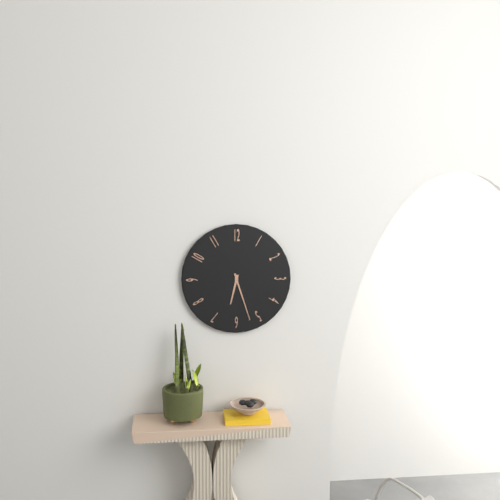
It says 6:27
